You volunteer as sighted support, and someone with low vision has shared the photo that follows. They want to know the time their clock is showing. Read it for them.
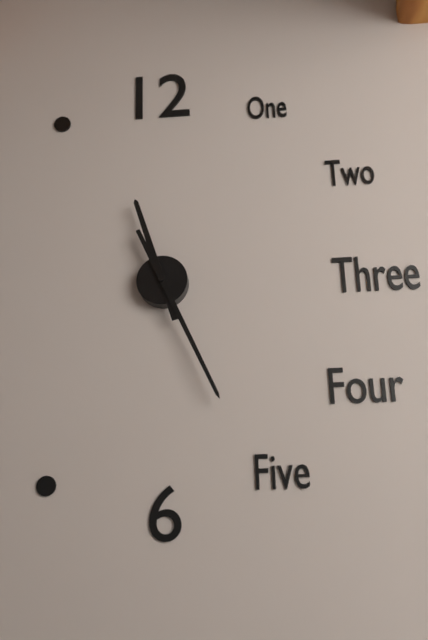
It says 11:26
